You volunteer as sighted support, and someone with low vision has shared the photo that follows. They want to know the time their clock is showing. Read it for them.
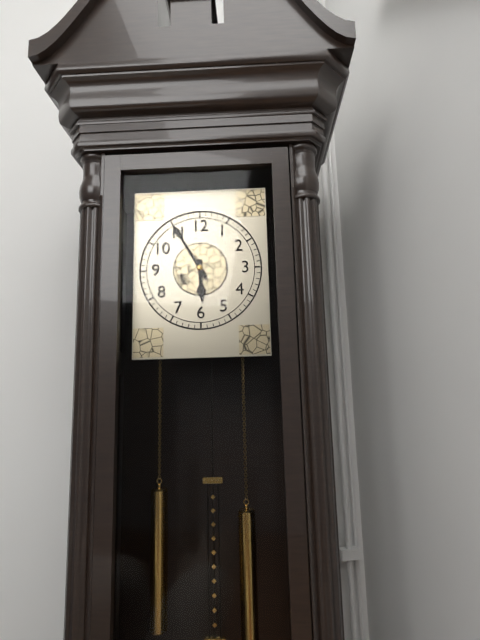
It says 5:55
